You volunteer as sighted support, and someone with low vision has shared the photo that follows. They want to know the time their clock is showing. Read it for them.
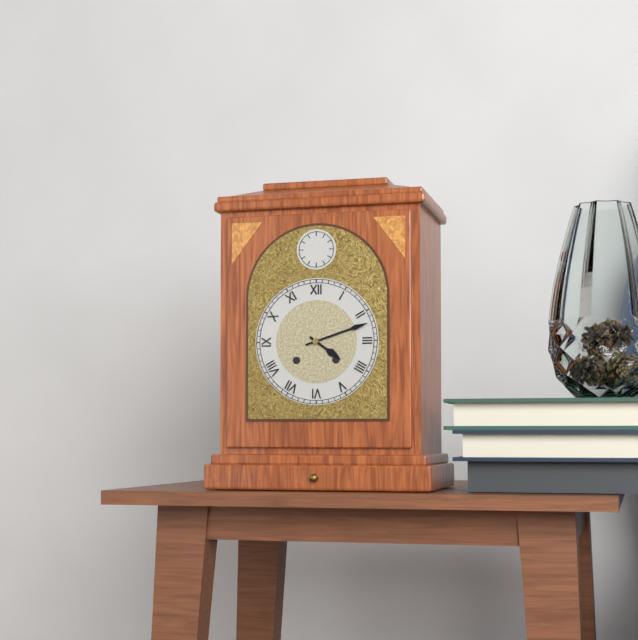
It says 4:12
